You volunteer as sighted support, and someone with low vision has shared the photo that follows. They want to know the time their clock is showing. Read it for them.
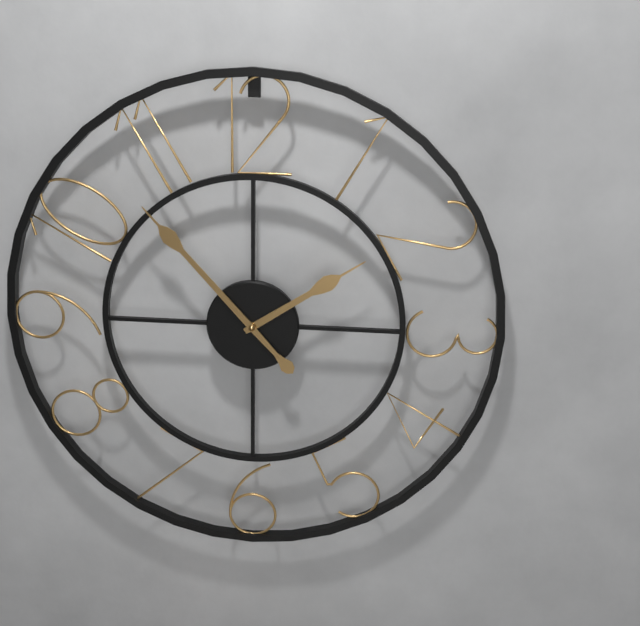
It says 1:53
